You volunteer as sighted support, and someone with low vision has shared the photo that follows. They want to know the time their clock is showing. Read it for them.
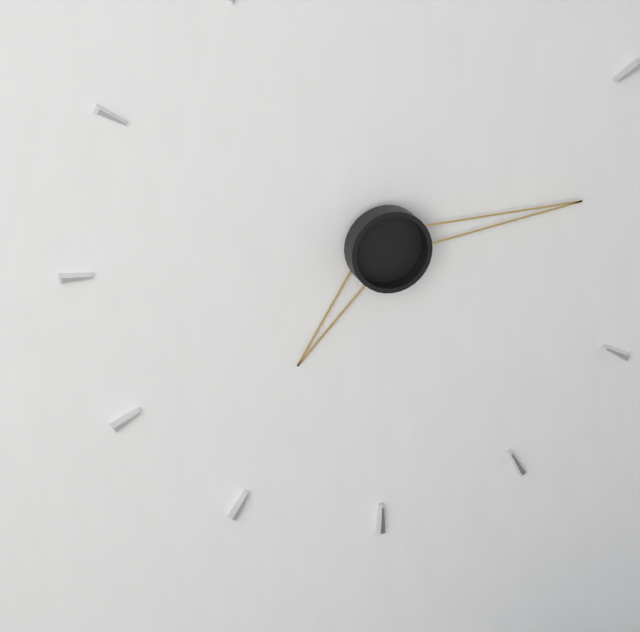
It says 7:14
